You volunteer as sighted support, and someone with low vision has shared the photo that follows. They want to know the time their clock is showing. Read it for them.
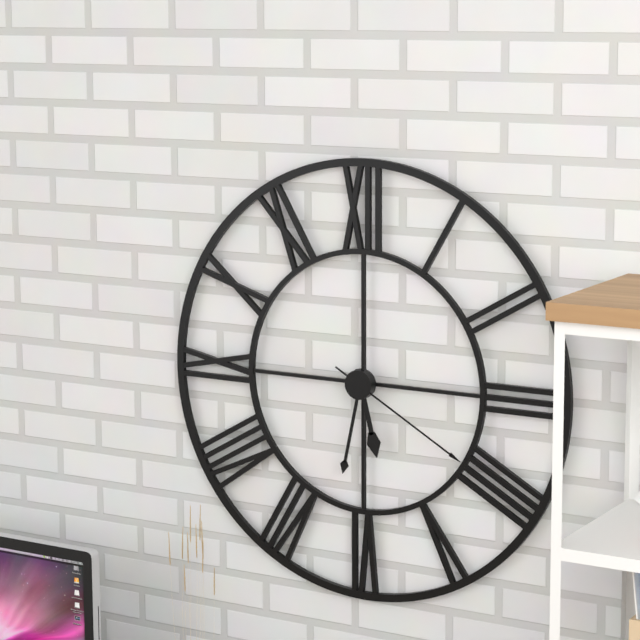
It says 5:32:20
